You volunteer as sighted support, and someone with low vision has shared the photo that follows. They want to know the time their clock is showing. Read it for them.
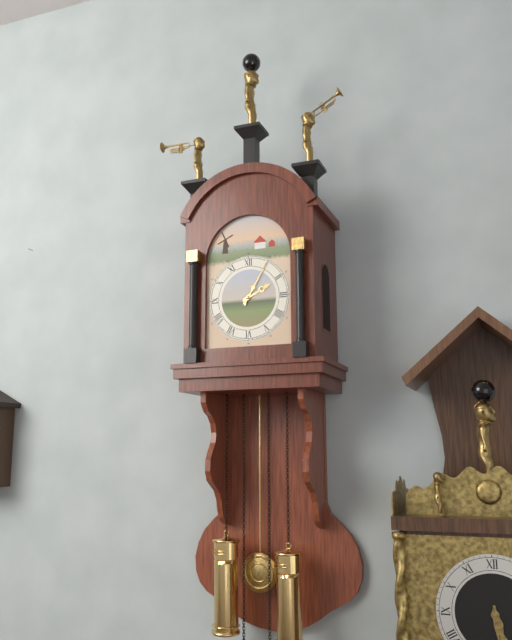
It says 2:05
